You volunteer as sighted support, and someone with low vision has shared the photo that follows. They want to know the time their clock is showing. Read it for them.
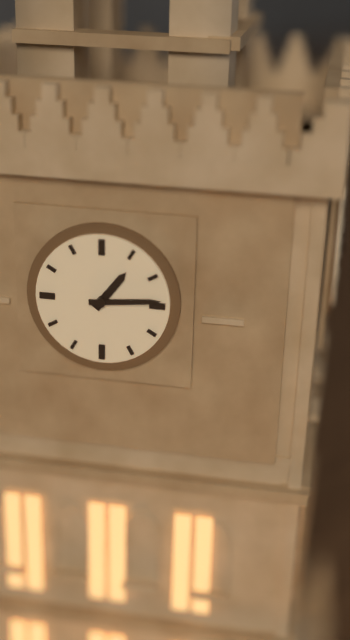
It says 1:14
